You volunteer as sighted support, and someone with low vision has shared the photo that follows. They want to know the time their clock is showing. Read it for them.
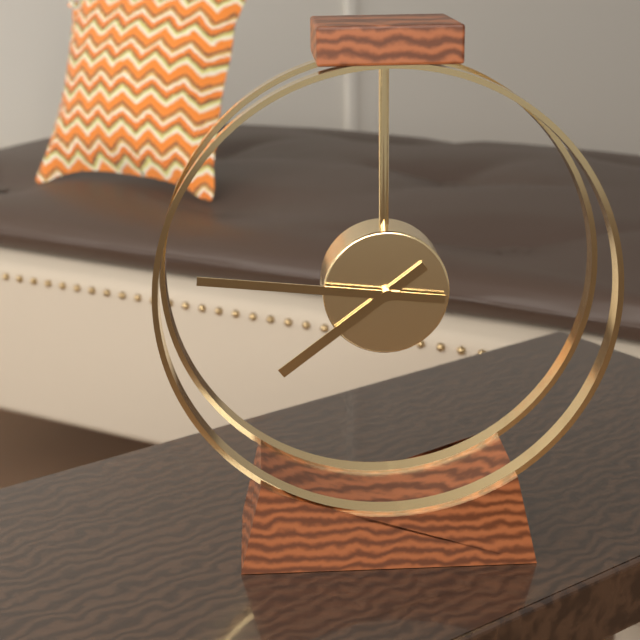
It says 7:46
